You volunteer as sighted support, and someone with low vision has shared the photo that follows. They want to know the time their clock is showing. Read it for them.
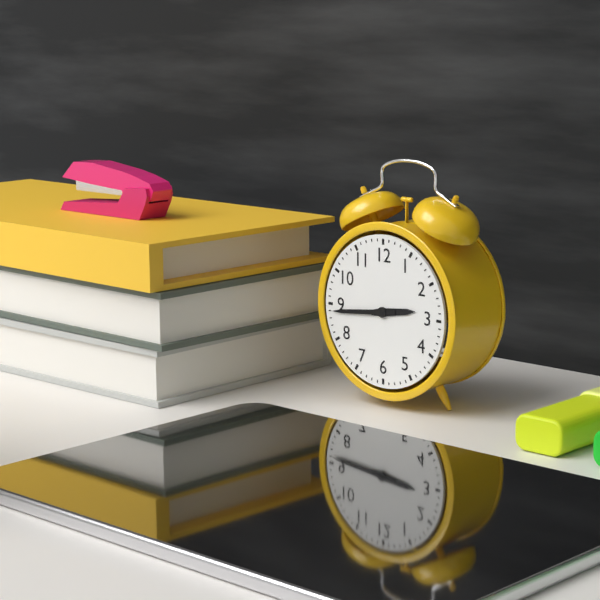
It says 2:44
